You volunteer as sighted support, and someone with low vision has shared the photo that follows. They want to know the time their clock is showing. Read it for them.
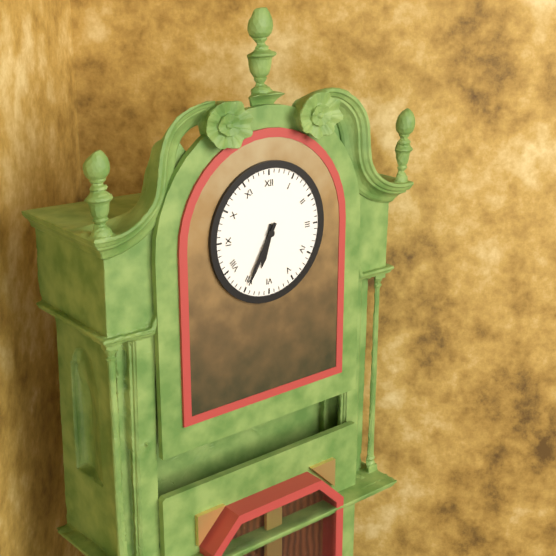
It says 6:35
